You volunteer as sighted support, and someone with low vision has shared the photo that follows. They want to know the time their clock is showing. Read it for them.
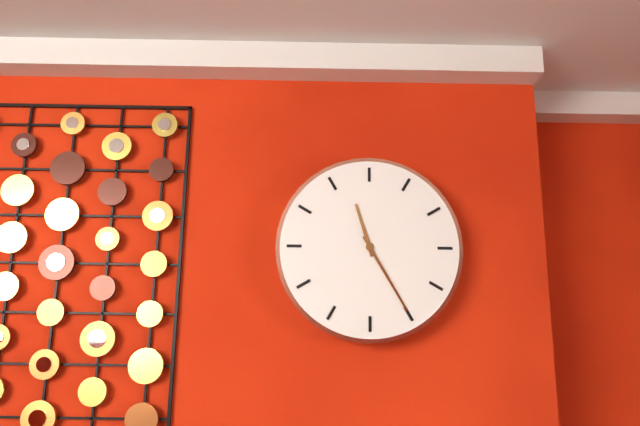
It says 11:25
